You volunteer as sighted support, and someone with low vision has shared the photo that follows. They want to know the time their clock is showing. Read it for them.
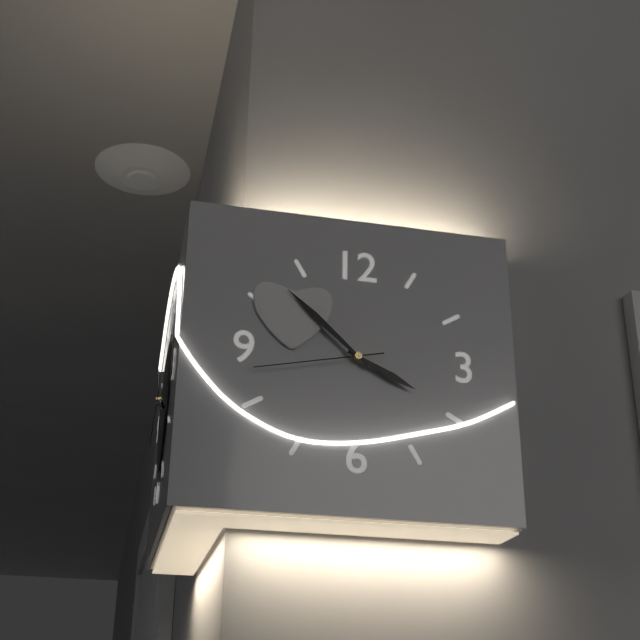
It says 3:52:43
